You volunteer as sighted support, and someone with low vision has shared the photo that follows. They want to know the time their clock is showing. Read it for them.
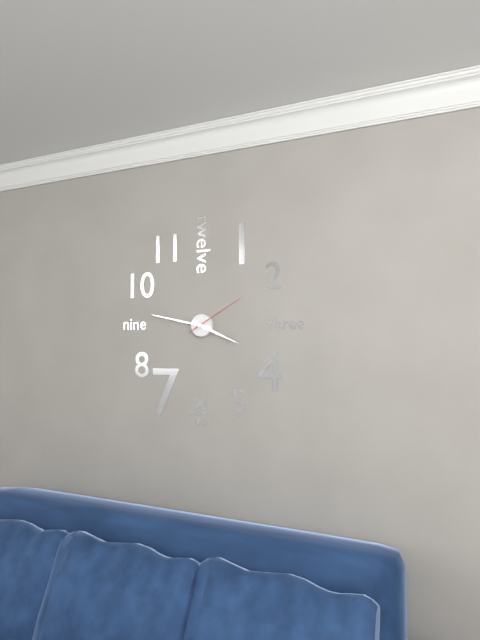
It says 3:47:10
